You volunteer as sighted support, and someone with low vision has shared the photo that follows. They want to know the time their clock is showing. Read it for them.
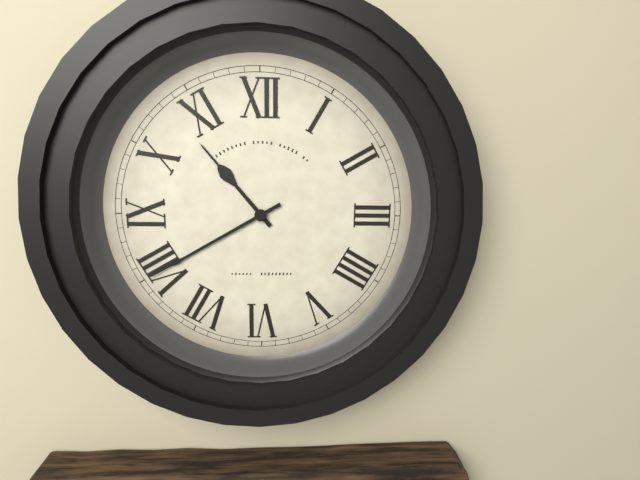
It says 10:40
